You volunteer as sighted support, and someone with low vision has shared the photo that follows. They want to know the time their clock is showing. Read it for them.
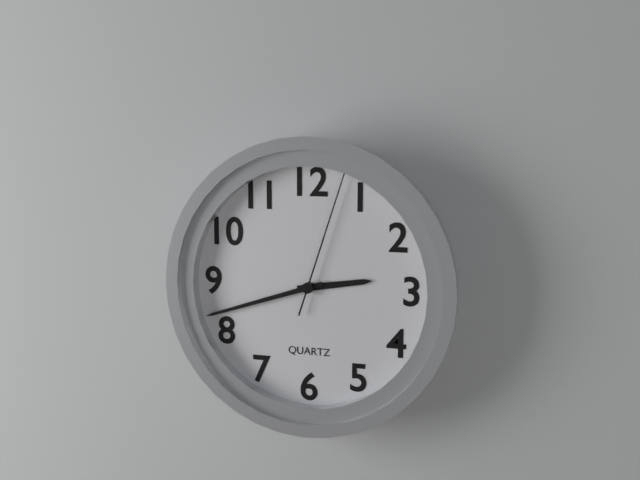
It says 2:42:03
